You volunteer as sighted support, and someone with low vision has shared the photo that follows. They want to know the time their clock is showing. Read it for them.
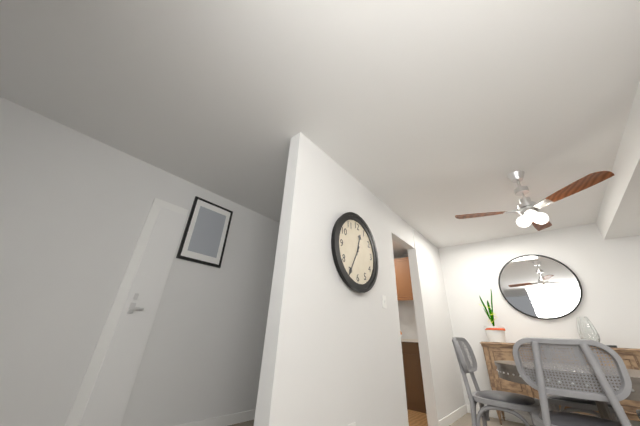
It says 12:35
